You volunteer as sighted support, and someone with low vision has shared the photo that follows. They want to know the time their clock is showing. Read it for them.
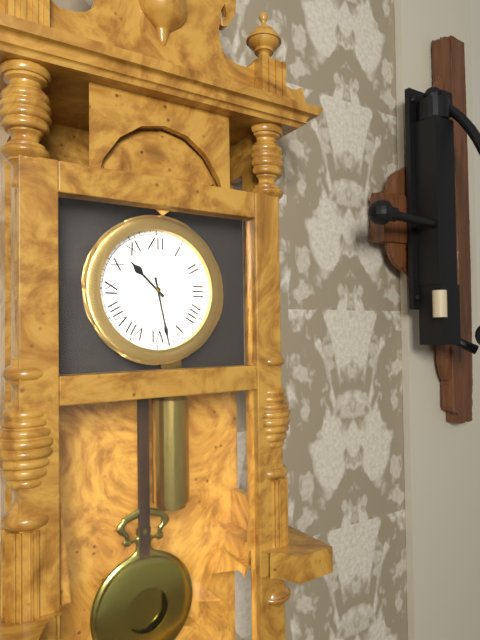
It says 10:28
